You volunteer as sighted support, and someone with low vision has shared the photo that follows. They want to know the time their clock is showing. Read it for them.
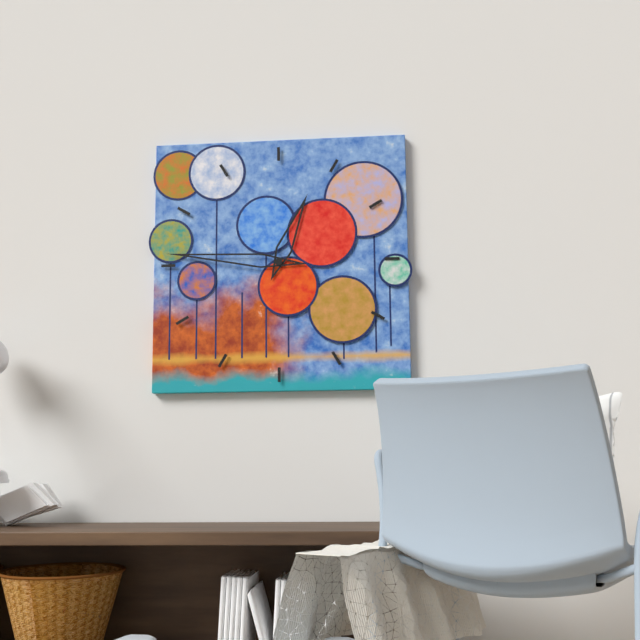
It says 12:46
